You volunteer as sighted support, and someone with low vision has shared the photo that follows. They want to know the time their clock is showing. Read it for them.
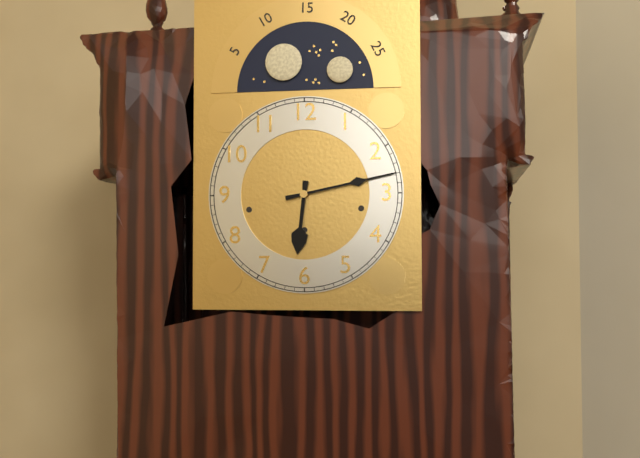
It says 6:13
